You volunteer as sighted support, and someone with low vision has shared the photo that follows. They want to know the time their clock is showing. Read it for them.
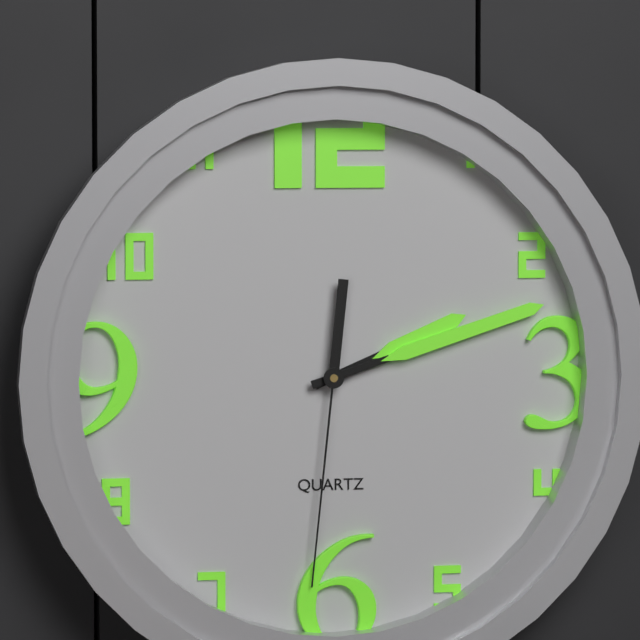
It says 2:12:31
